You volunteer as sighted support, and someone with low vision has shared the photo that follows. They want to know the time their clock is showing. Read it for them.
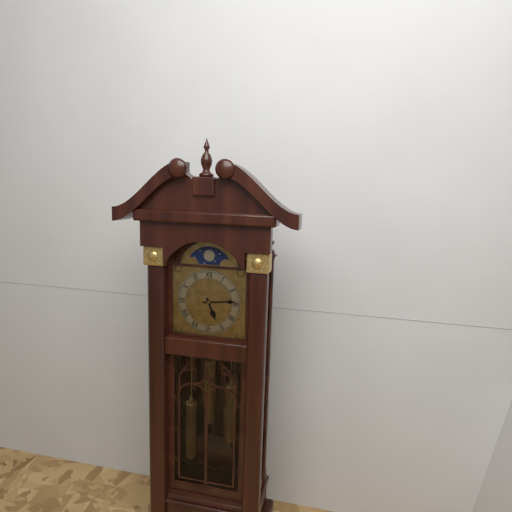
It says 5:14
